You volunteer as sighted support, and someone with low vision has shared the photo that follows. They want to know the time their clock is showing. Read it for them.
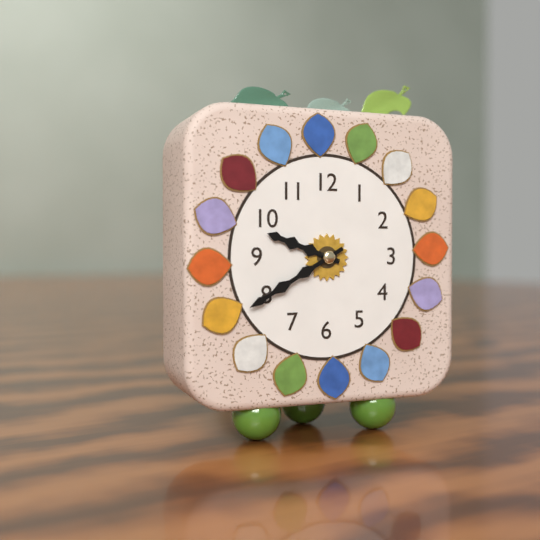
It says 9:40
